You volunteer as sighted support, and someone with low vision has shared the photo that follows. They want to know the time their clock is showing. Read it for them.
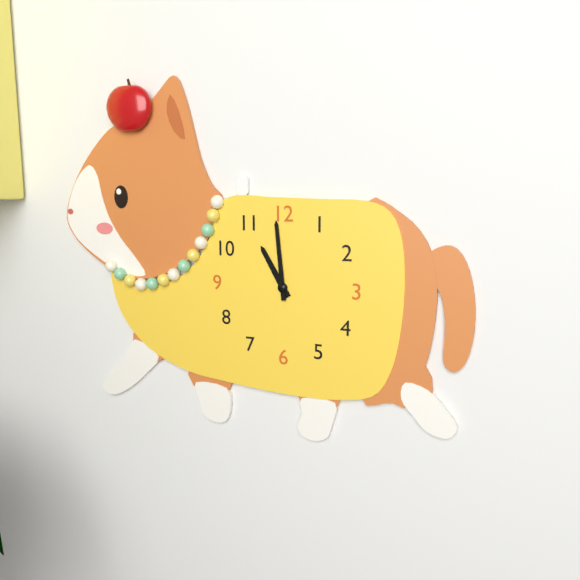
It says 10:59
